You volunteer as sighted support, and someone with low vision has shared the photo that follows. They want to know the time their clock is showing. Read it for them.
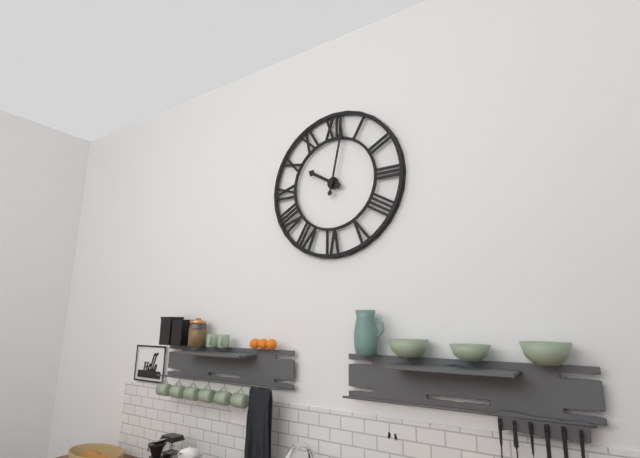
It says 10:02
